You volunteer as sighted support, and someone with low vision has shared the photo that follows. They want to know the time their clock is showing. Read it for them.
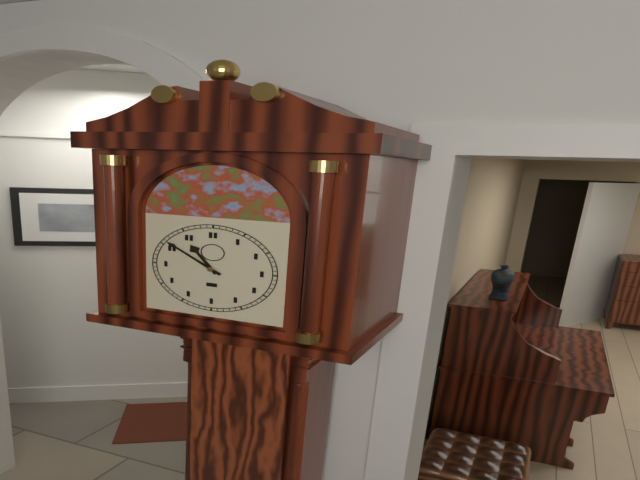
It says 10:51
